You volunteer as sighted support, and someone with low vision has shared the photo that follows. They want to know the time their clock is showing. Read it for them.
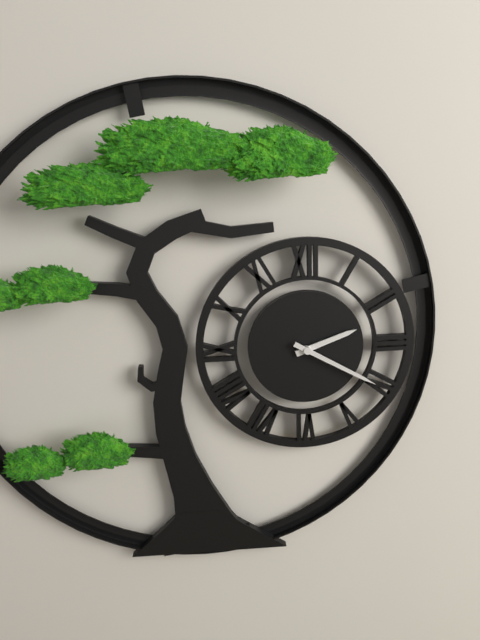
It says 2:20
